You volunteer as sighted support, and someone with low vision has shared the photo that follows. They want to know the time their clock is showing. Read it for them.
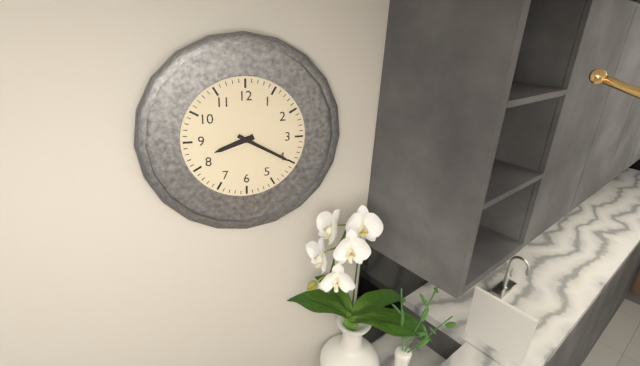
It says 8:20
